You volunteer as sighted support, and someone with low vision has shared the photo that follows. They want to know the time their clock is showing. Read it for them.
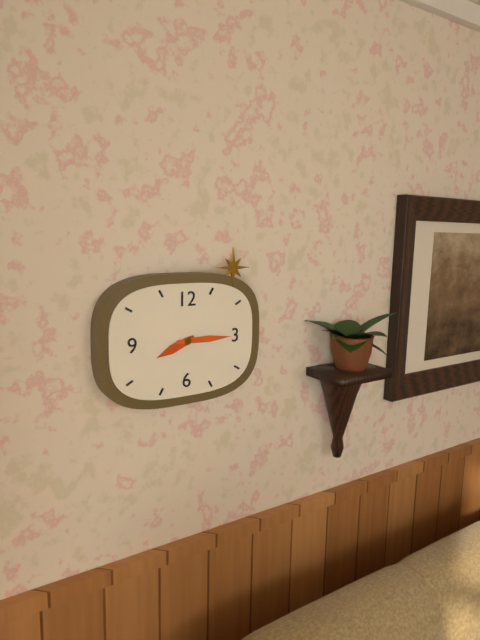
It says 8:15
